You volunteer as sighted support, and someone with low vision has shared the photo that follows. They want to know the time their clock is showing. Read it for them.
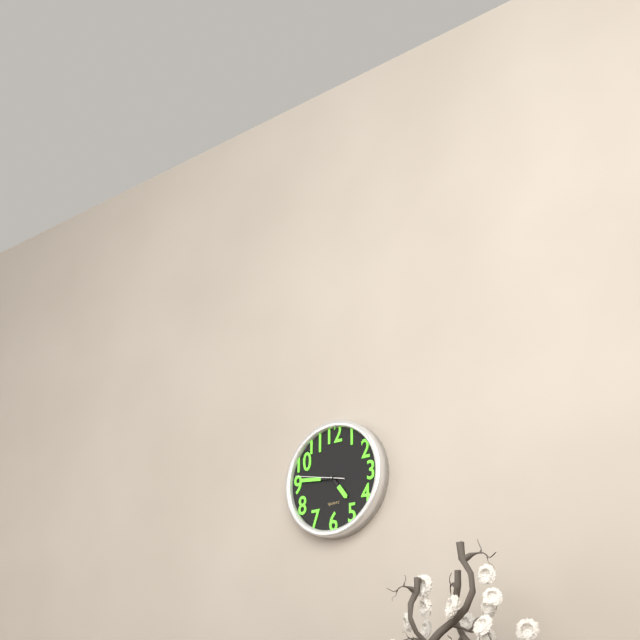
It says 4:46:47
